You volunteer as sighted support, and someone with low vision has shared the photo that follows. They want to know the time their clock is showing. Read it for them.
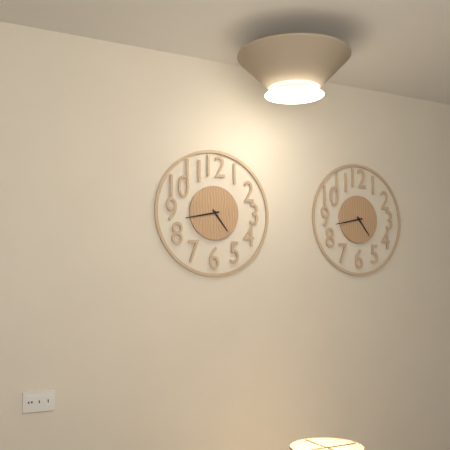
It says 4:43
